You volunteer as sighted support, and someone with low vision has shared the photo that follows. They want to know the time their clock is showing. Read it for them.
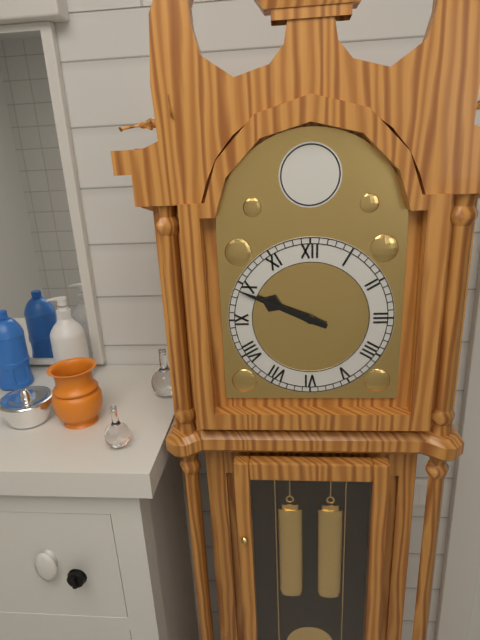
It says 9:49
